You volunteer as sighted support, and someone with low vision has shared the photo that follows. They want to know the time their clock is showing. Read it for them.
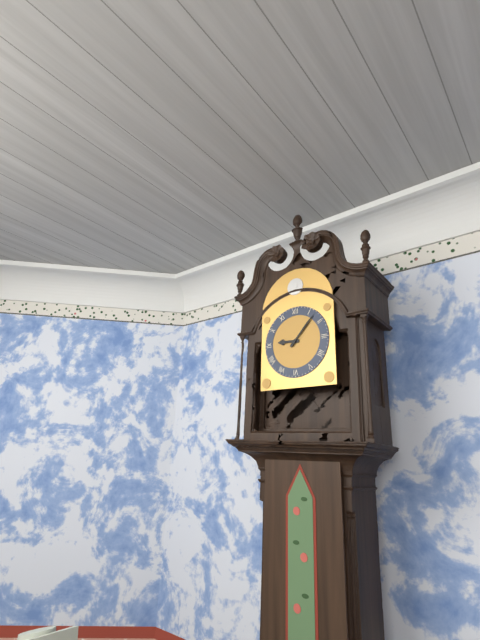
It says 9:07
